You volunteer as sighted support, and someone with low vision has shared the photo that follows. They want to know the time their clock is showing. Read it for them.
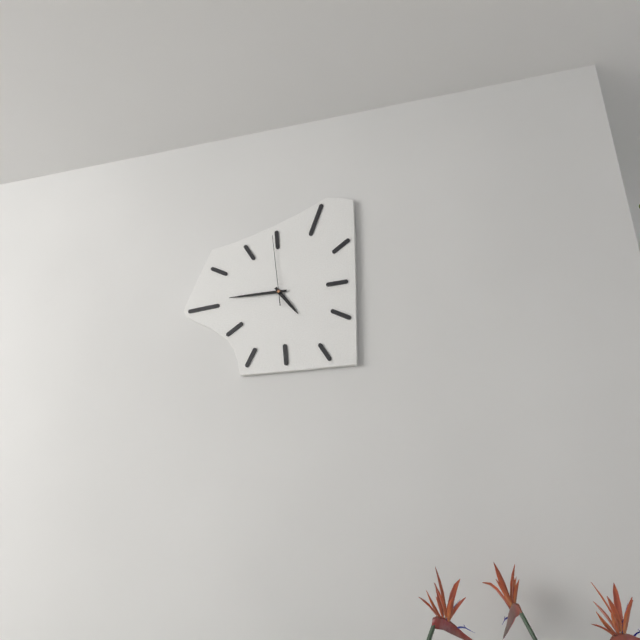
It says 4:45:59
